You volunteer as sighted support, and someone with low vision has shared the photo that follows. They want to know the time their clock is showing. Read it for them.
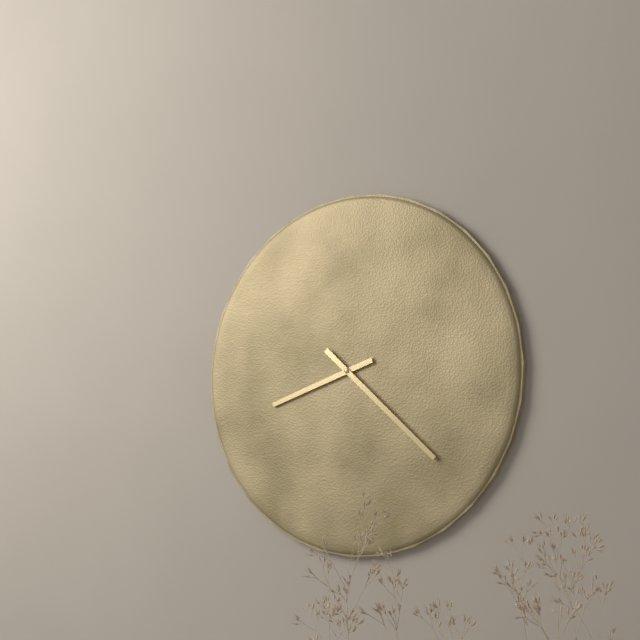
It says 8:22
